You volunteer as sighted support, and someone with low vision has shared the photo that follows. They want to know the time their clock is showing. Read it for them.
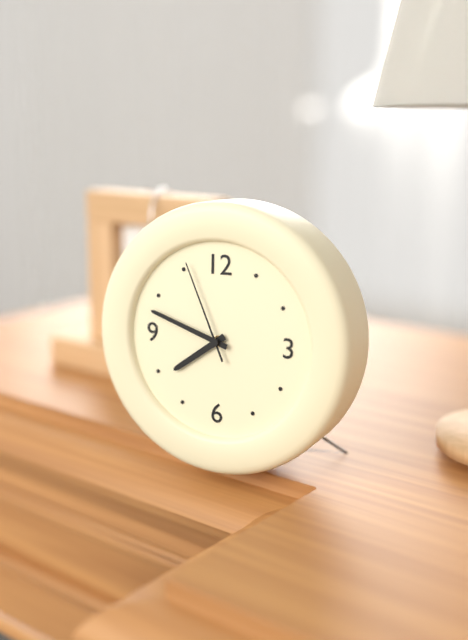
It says 7:48:56
